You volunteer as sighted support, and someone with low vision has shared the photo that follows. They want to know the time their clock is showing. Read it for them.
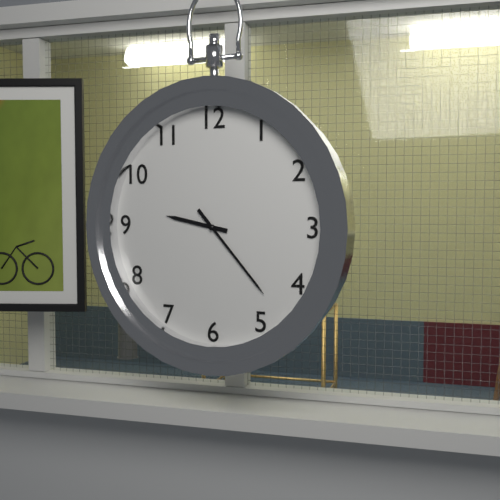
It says 9:23
